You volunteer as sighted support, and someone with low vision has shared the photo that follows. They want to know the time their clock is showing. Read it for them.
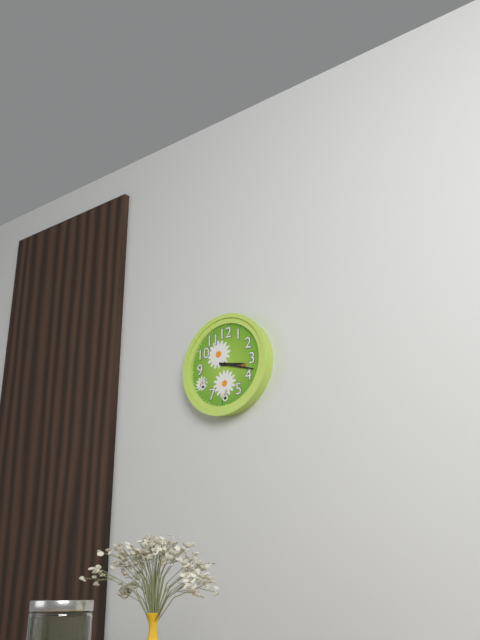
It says 3:18
